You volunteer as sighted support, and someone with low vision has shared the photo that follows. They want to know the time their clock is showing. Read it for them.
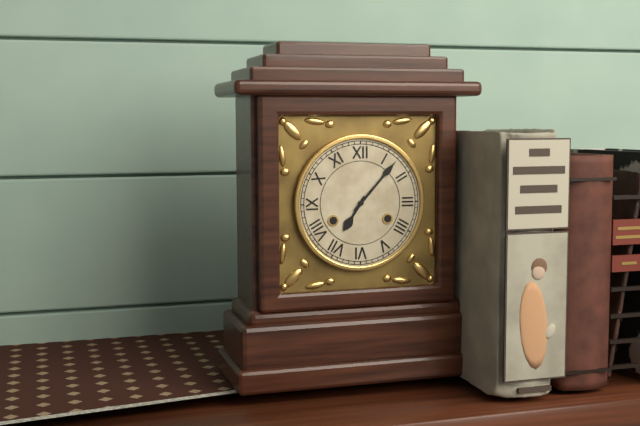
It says 7:07
